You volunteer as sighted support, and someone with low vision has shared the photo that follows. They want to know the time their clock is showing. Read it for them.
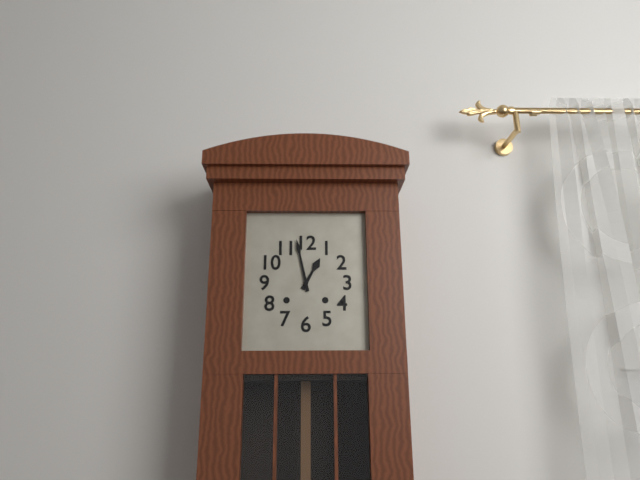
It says 12:58
